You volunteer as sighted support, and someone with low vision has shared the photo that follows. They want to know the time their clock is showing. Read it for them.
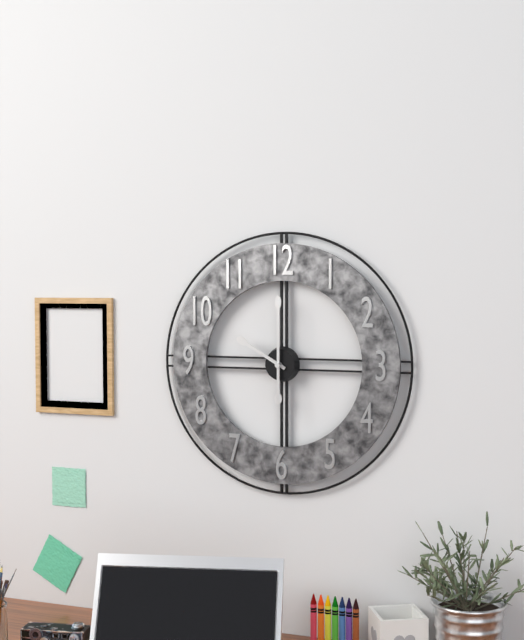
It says 10:00
